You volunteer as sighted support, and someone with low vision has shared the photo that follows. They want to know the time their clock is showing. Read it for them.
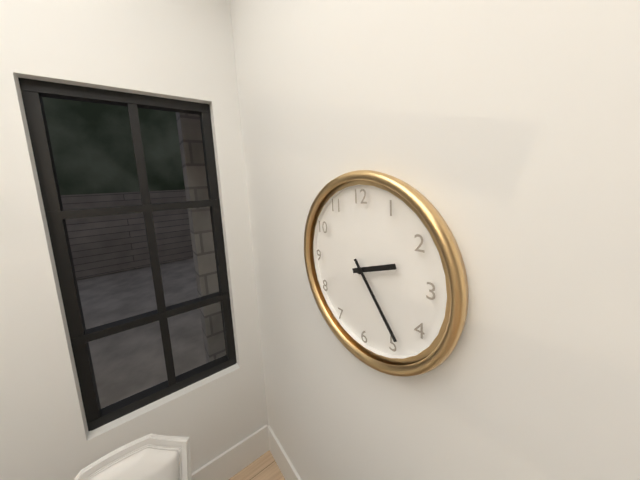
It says 2:24
